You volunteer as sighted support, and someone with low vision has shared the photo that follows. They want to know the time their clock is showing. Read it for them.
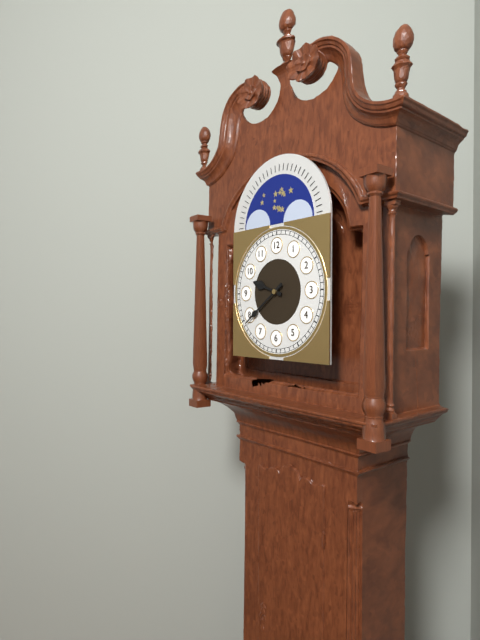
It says 9:39
